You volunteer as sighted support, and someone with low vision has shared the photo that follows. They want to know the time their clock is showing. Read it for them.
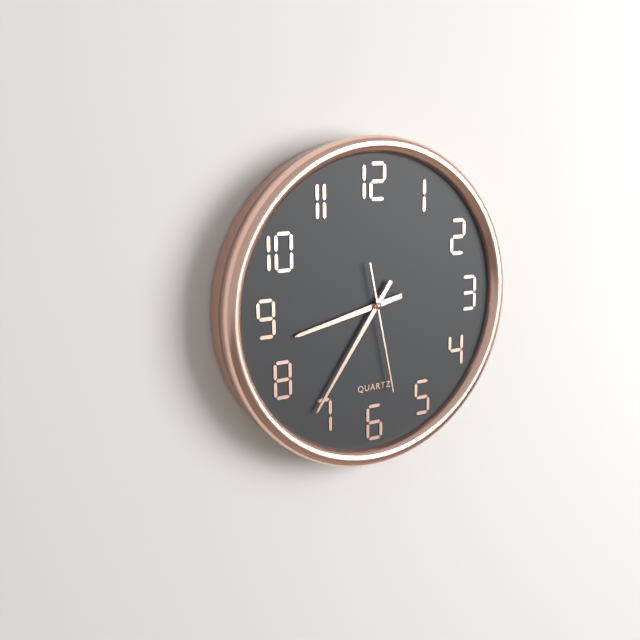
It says 8:36:28
